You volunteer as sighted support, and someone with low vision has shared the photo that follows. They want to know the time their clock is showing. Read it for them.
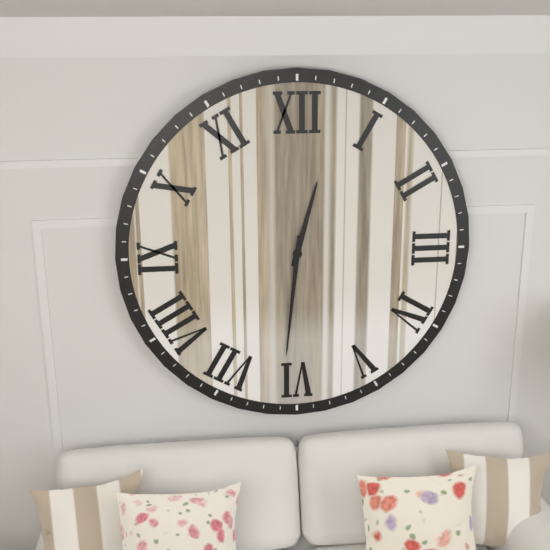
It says 12:31
